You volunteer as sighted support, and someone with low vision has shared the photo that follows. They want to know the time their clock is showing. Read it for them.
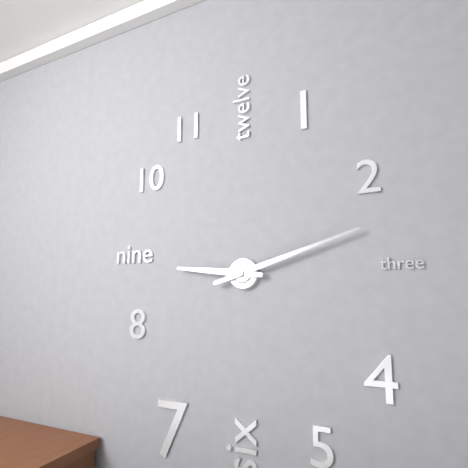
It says 9:12
